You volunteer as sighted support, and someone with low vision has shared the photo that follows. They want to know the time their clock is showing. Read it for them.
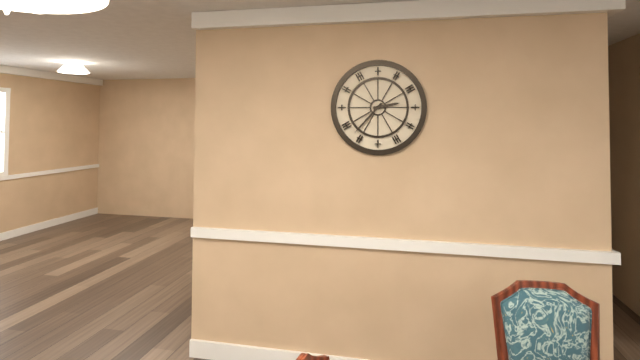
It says 2:37
